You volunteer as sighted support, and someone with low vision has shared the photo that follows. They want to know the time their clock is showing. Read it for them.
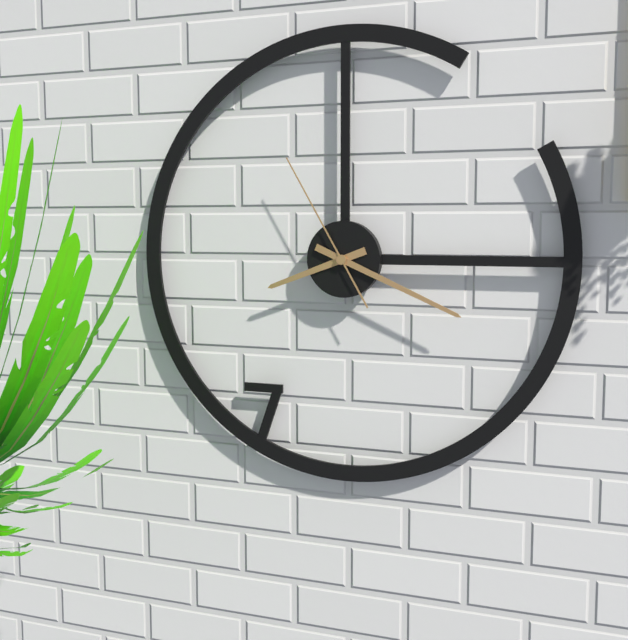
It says 8:19:55
